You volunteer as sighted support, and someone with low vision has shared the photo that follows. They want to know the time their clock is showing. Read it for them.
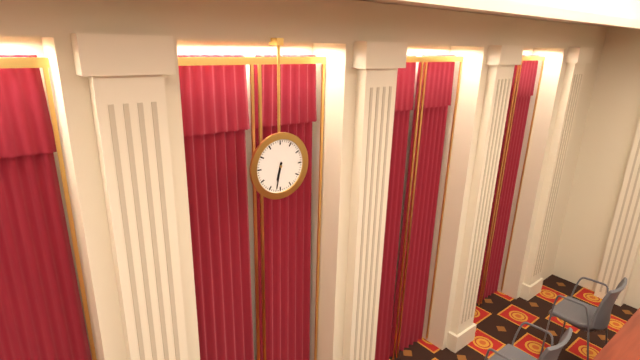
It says 6:32
